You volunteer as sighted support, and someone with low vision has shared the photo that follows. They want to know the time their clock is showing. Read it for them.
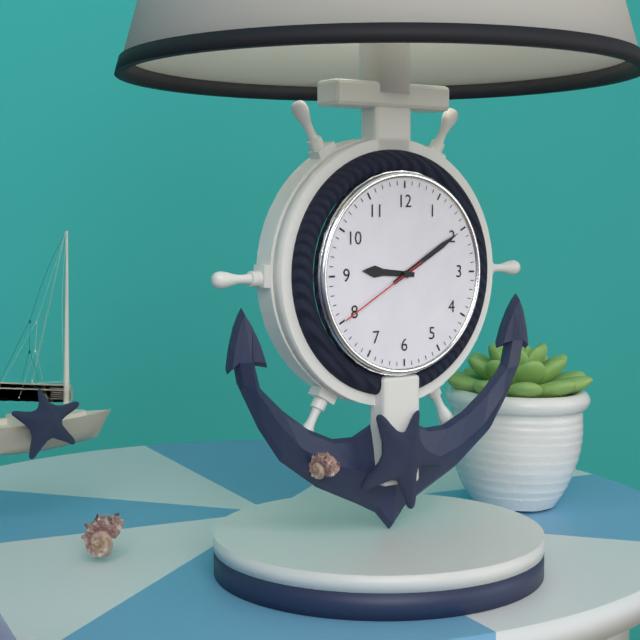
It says 9:10:40
